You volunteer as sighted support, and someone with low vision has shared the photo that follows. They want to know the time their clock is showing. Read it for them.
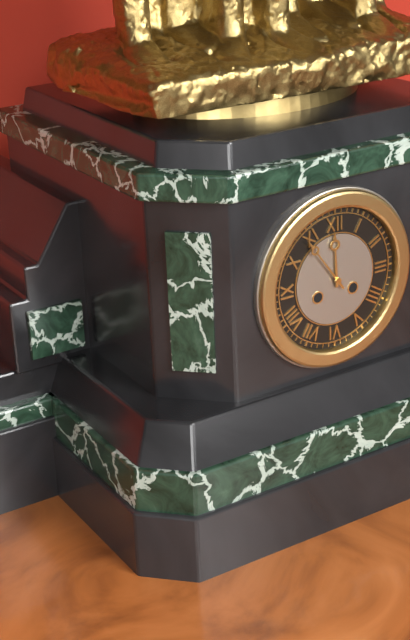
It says 11:54
